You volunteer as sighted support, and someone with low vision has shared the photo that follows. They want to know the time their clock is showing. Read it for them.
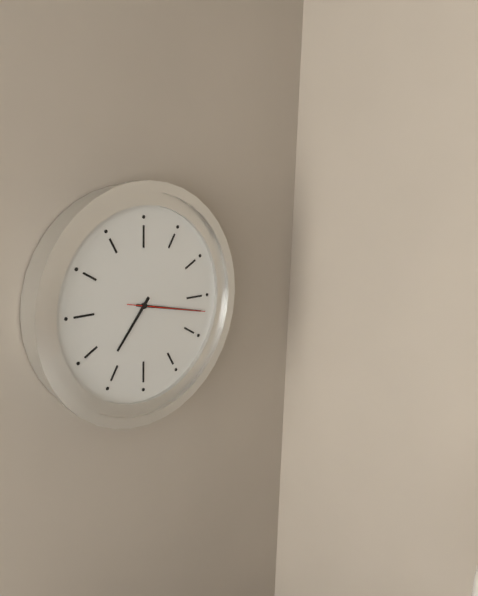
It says 7:17:17
